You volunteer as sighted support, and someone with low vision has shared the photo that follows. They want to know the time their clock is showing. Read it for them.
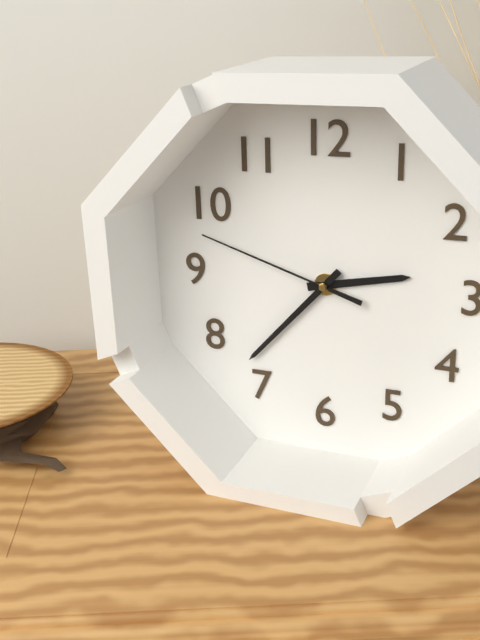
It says 2:37:48
